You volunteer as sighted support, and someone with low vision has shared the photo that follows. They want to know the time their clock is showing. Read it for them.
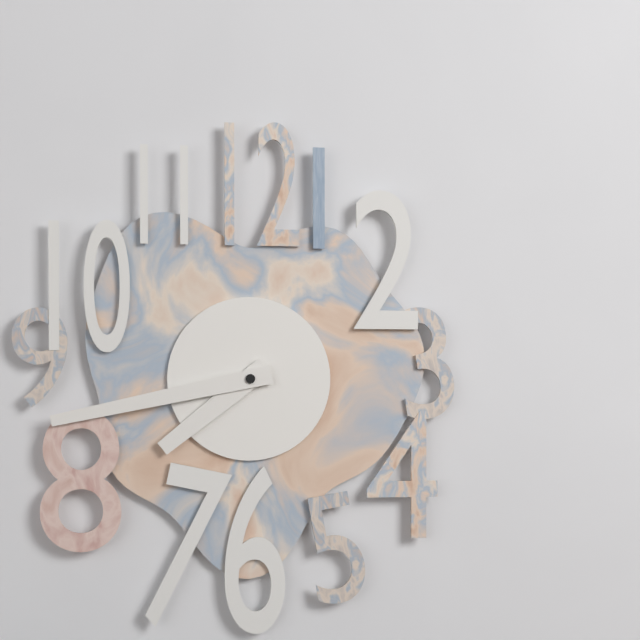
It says 7:43
